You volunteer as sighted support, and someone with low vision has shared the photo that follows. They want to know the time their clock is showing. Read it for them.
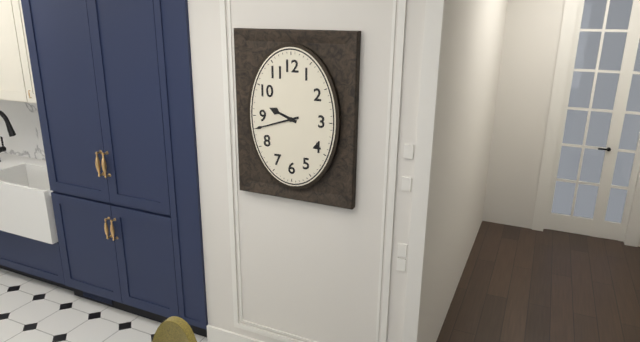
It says 9:42
